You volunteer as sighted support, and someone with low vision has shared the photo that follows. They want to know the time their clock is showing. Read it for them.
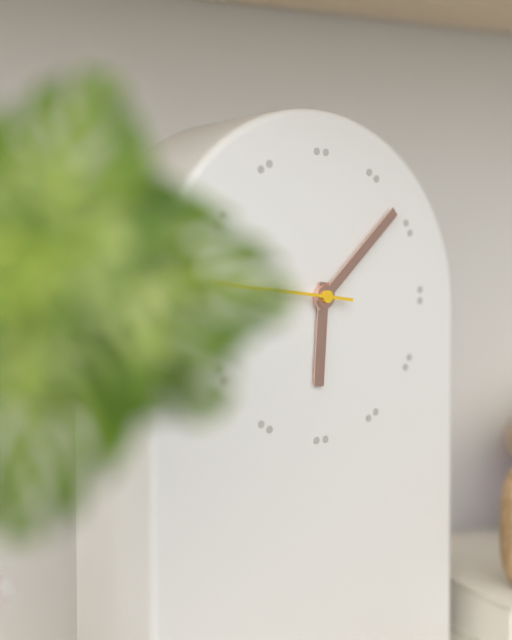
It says 6:08:46
